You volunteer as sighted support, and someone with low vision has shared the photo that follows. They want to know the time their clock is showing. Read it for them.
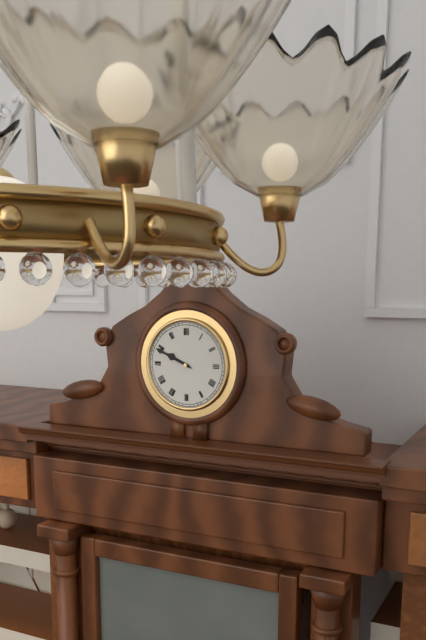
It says 9:49
